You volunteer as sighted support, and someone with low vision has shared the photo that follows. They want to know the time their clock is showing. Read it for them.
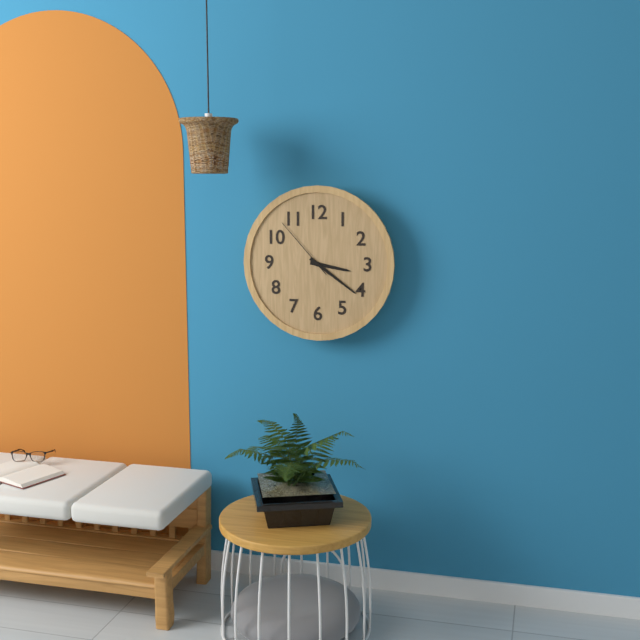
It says 3:21:53
